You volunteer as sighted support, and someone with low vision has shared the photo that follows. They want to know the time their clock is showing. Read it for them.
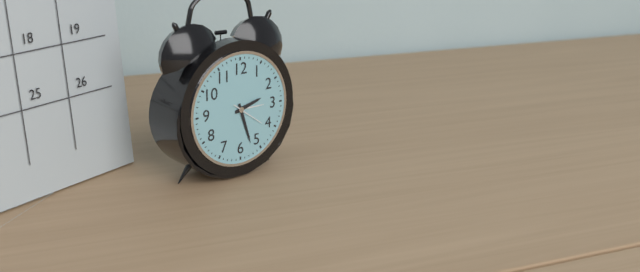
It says 2:27
